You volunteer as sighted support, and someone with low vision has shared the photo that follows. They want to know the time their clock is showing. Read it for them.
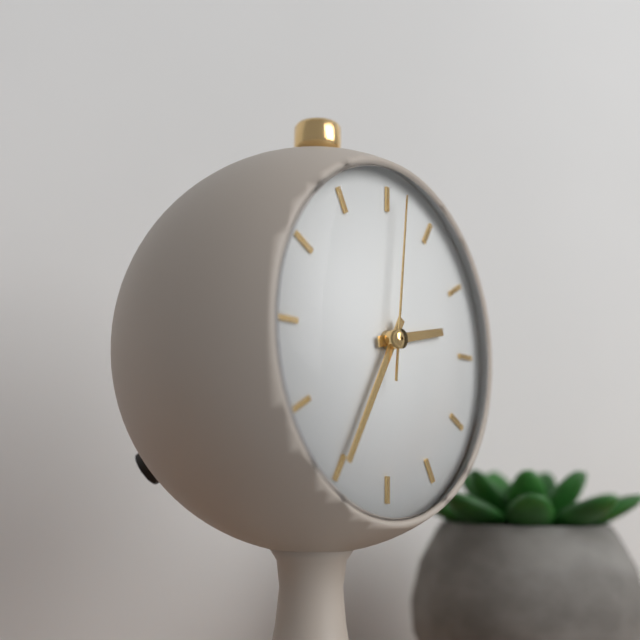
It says 2:35:01
